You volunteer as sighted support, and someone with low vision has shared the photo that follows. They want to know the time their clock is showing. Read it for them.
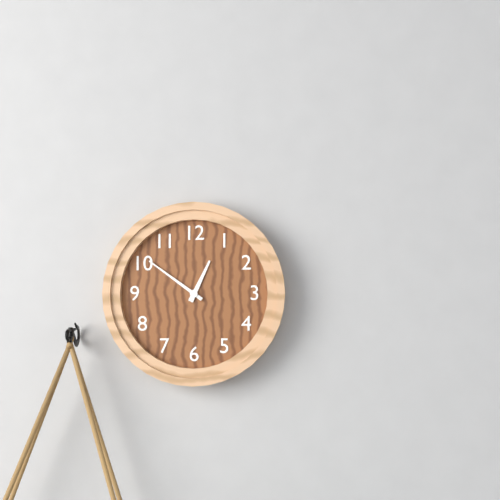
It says 12:51
